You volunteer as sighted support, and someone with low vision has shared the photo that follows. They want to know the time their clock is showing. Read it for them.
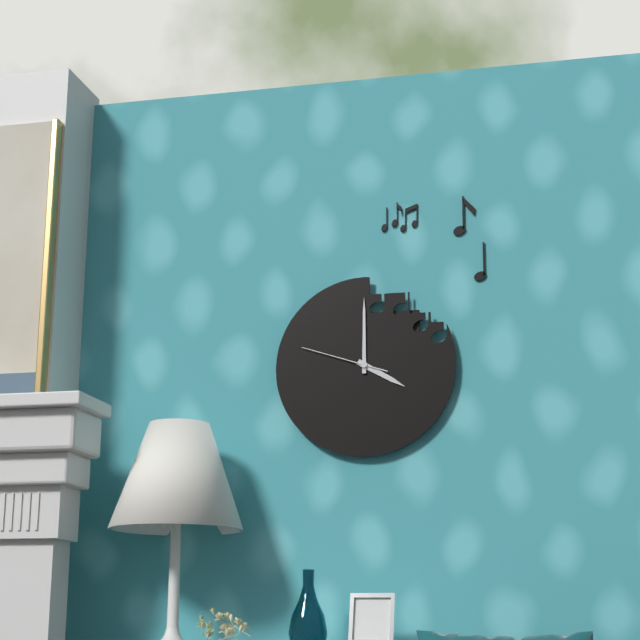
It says 4:00:48
